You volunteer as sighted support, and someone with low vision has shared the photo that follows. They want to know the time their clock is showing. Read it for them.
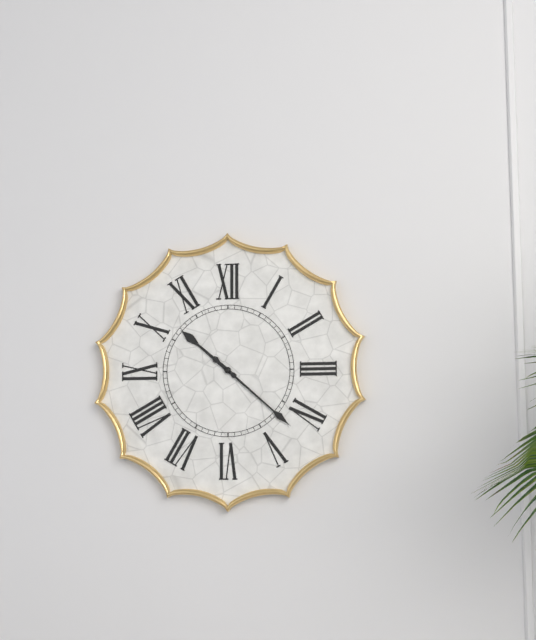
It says 10:22
